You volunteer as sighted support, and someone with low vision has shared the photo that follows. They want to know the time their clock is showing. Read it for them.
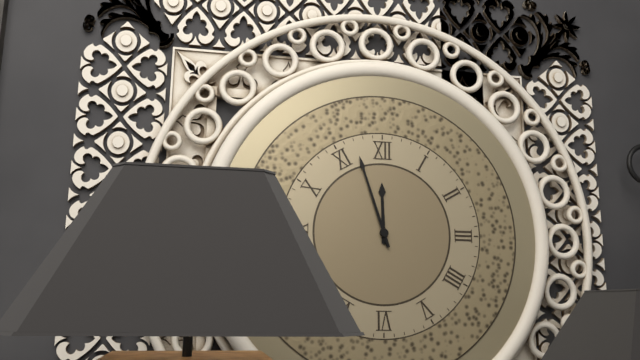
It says 11:57
